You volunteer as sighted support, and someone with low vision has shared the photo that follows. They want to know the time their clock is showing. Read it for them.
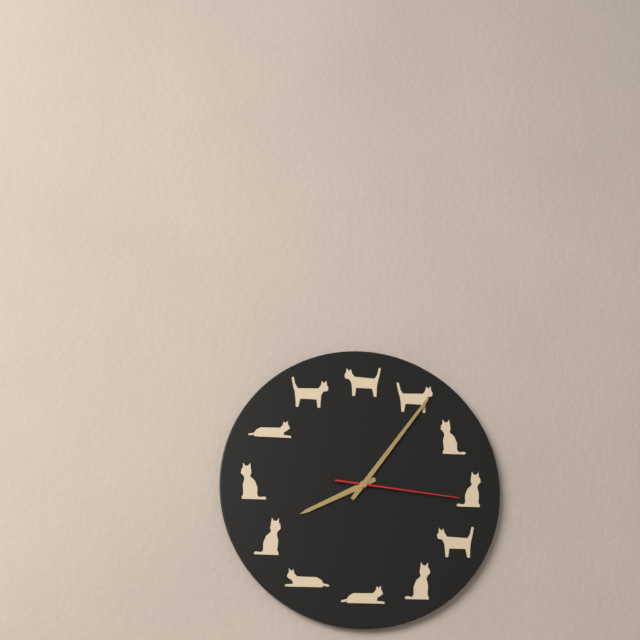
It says 8:06:16
